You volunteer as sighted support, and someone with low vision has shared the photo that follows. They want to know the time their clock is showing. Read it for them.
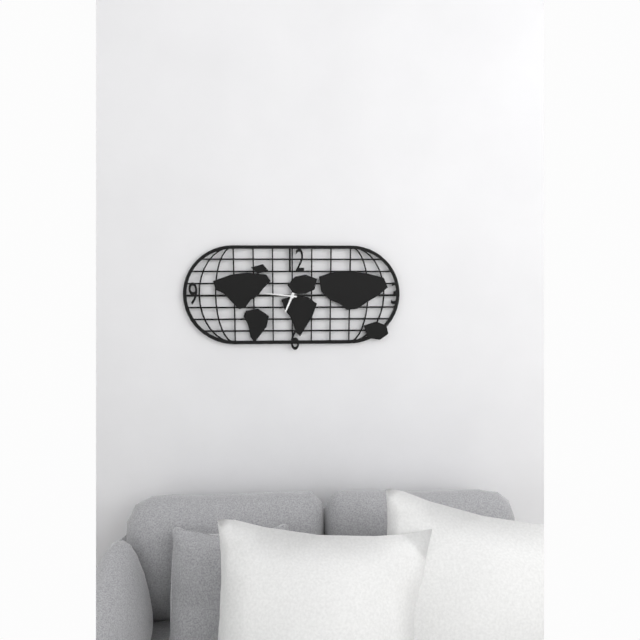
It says 6:46
